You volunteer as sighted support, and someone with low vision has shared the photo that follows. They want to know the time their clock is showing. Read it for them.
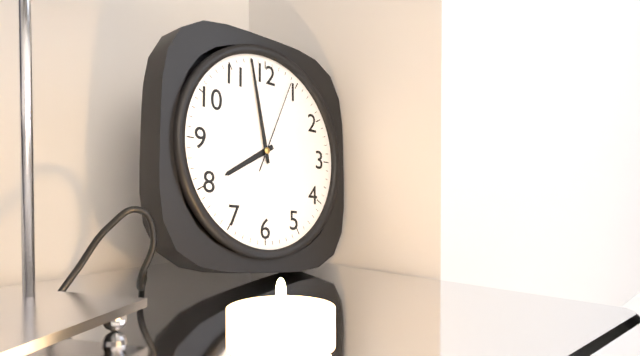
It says 7:58:04
